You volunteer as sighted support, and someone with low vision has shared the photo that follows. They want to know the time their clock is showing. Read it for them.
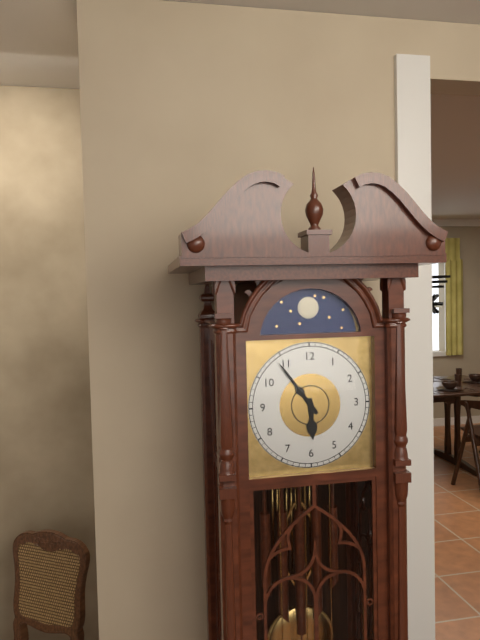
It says 5:54
